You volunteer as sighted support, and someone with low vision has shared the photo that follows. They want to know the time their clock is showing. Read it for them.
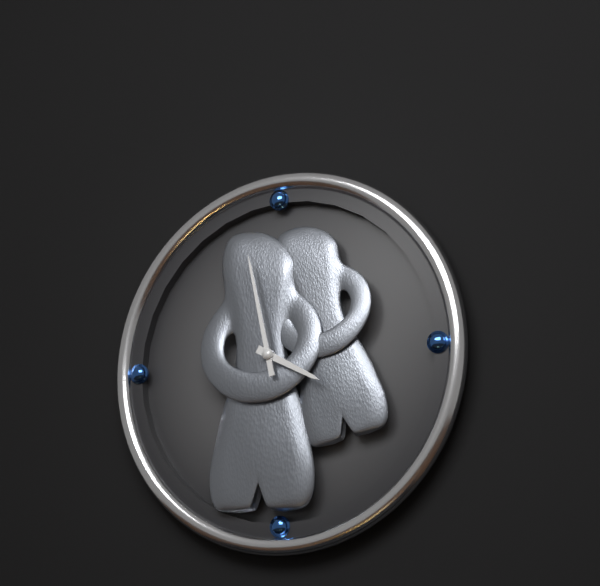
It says 3:58
